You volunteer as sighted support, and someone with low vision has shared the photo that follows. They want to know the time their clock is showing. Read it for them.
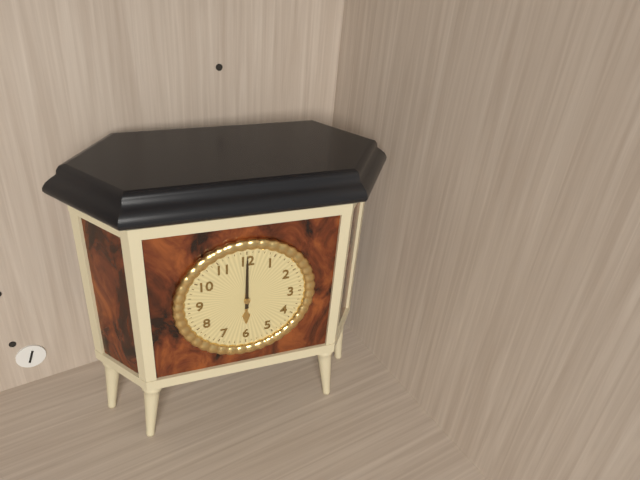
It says 6:00
